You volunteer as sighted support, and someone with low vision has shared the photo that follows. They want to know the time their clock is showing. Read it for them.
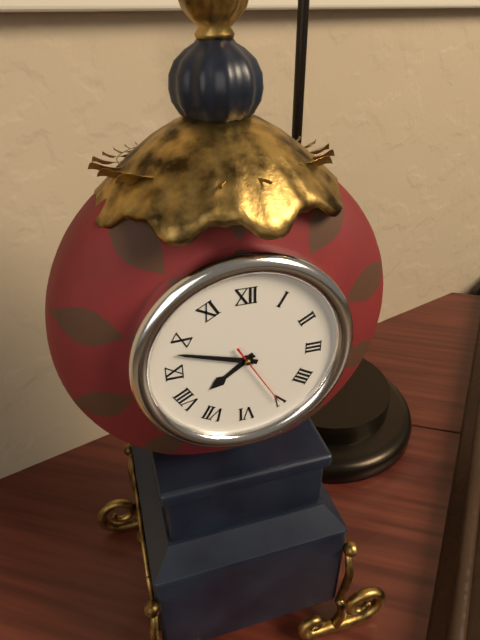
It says 7:48:25
